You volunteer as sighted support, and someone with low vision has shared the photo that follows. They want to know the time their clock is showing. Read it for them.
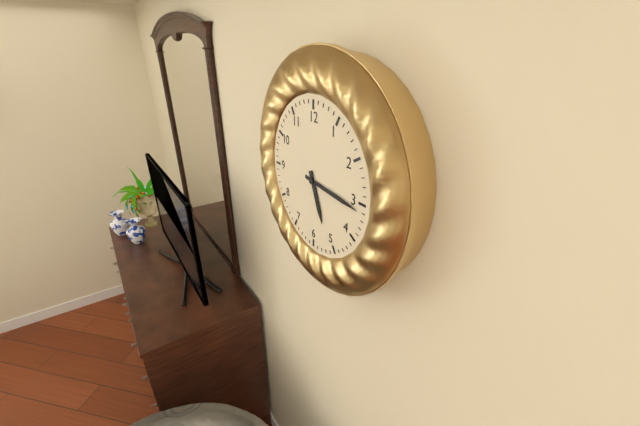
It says 5:16
